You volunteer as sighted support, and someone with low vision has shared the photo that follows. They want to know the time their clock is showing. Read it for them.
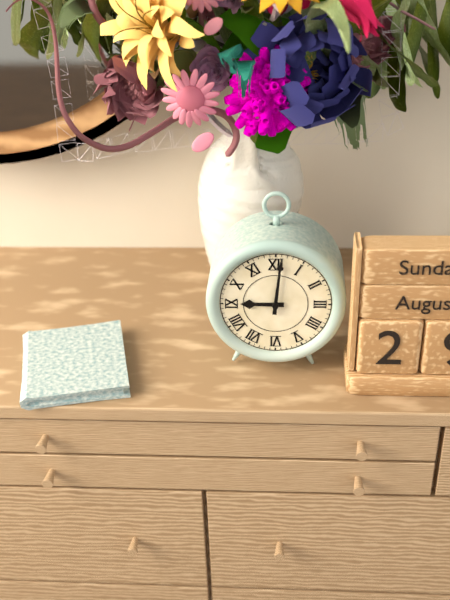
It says 9:01
